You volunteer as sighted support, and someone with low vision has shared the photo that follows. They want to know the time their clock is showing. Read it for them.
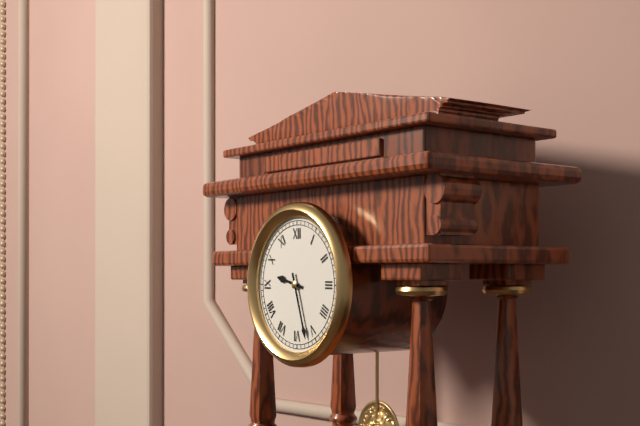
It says 9:27
